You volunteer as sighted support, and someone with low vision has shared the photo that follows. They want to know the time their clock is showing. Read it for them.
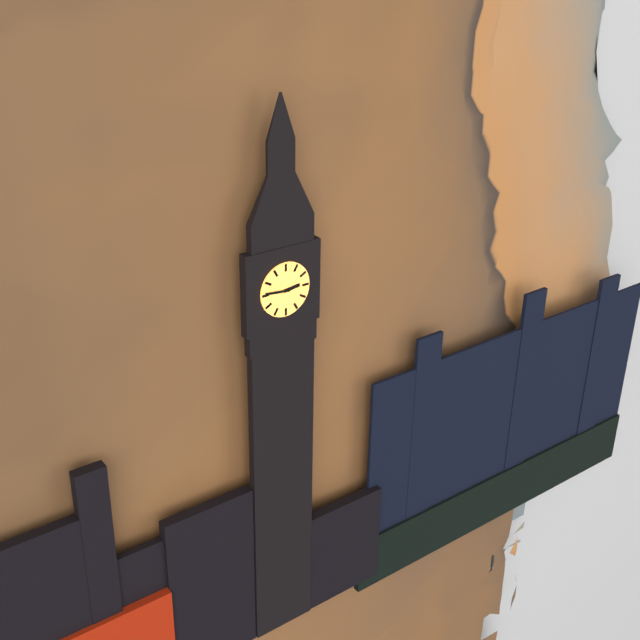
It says 2:46
